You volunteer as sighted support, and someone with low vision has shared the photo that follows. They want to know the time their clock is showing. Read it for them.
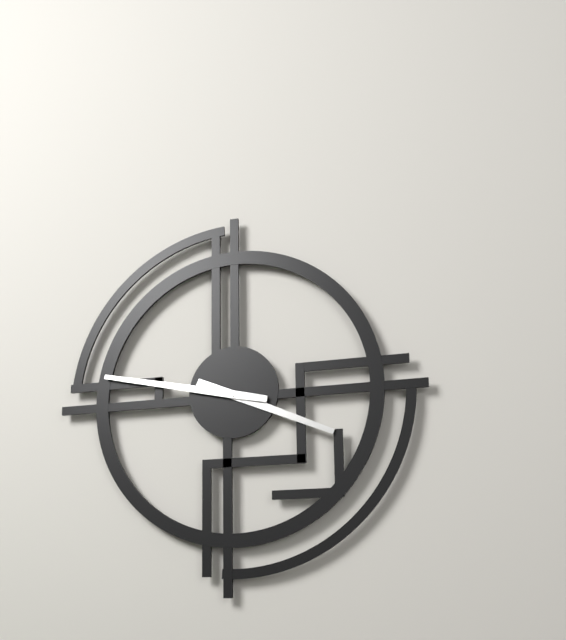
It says 3:47
